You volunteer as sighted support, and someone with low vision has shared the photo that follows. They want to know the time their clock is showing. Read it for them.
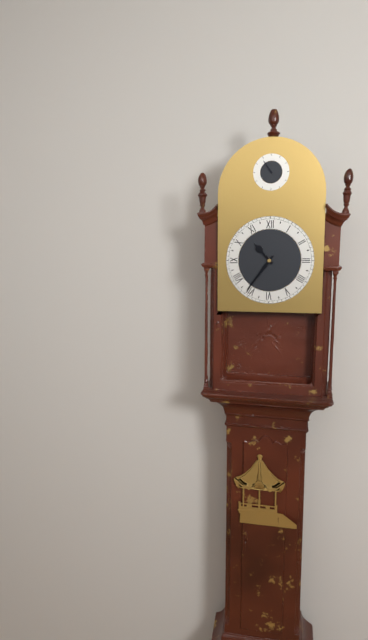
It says 10:36
